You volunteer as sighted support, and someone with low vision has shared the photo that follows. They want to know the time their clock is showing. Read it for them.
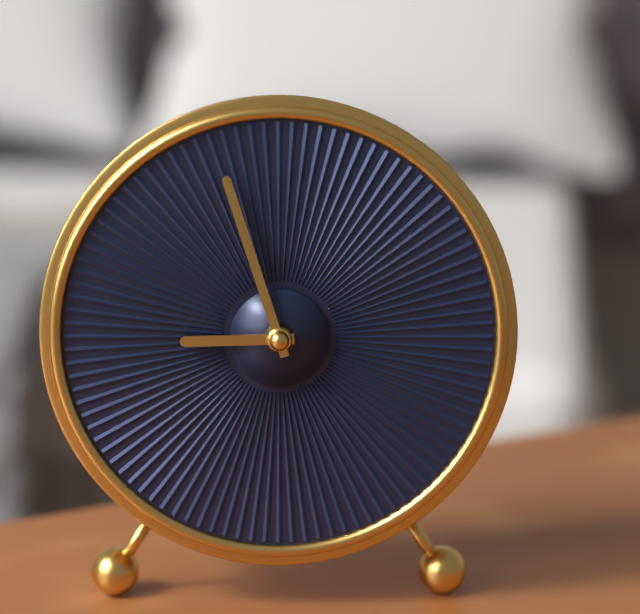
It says 8:57
